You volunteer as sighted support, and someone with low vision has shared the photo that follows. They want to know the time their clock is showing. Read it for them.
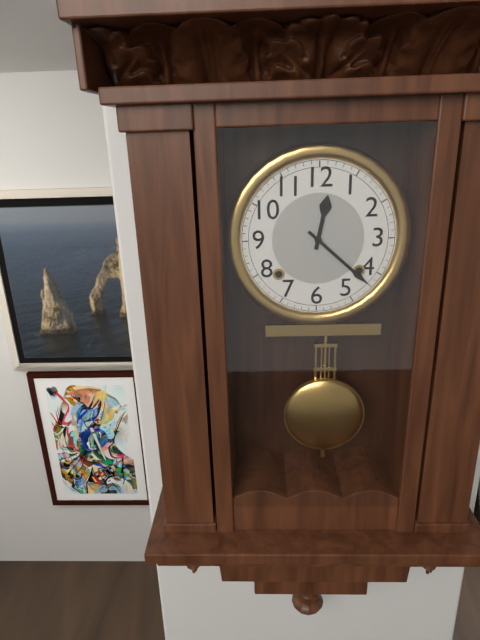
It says 12:22
